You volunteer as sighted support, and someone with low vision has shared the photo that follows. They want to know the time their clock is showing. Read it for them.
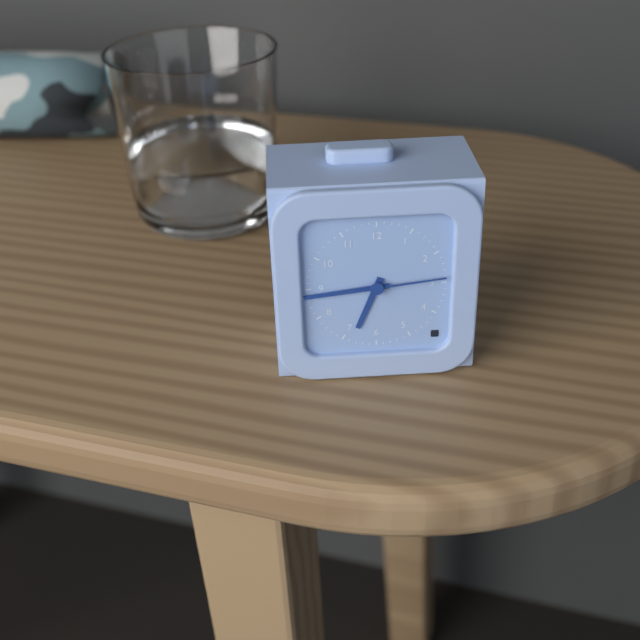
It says 6:44:14
